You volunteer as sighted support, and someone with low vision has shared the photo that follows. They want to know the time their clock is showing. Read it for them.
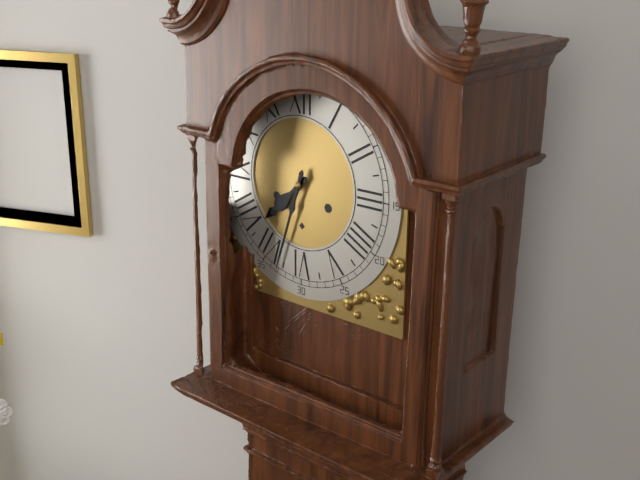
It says 7:33
